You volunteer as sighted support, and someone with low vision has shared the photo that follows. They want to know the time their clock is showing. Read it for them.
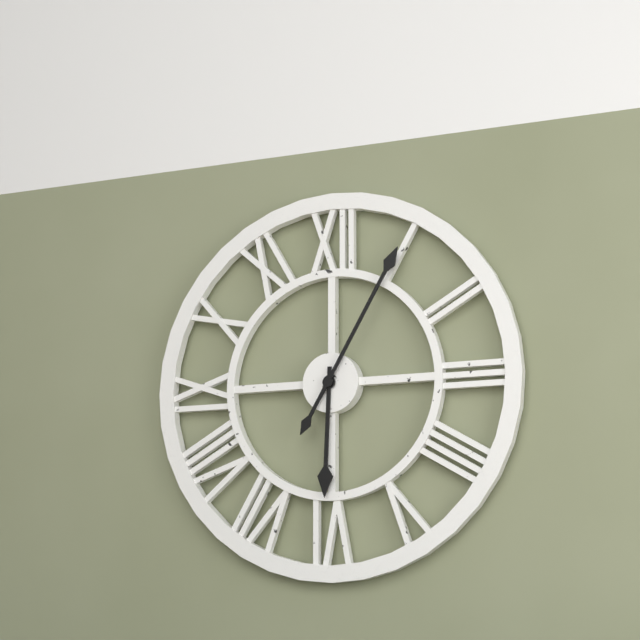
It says 6:05
